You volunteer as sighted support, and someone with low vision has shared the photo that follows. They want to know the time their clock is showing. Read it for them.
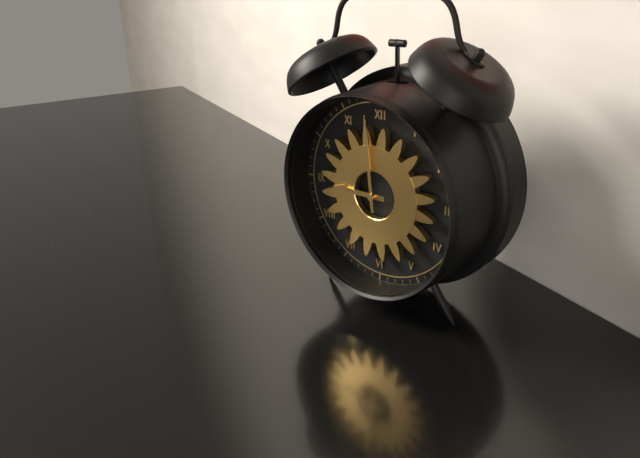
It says 8:59
